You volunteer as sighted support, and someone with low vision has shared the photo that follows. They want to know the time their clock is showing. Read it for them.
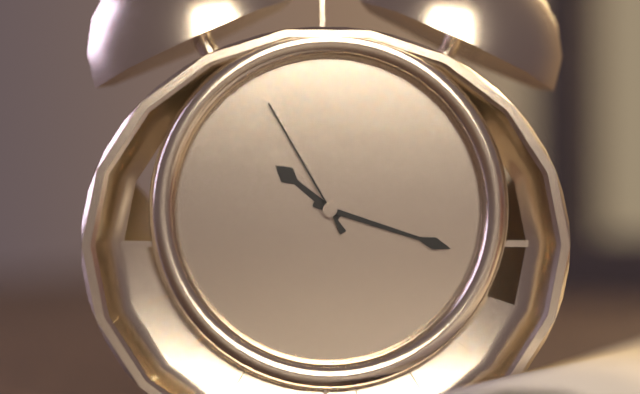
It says 10:18:55
